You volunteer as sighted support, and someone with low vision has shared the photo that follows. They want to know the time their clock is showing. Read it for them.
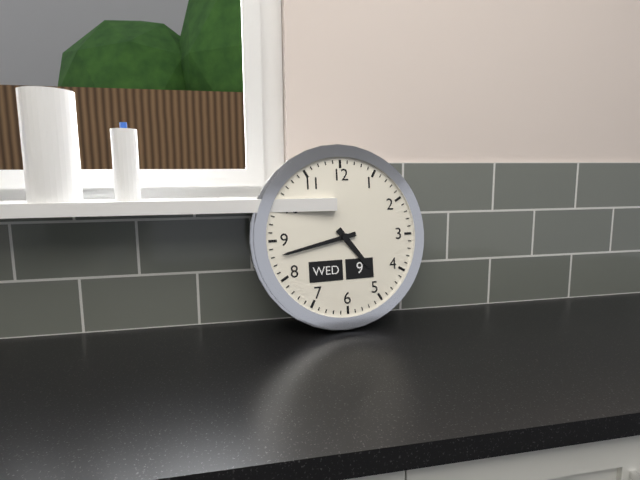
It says 4:43
